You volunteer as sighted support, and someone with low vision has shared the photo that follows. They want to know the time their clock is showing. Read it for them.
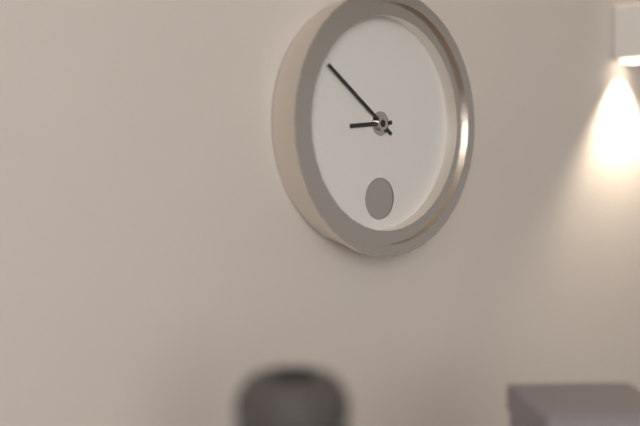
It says 8:51
